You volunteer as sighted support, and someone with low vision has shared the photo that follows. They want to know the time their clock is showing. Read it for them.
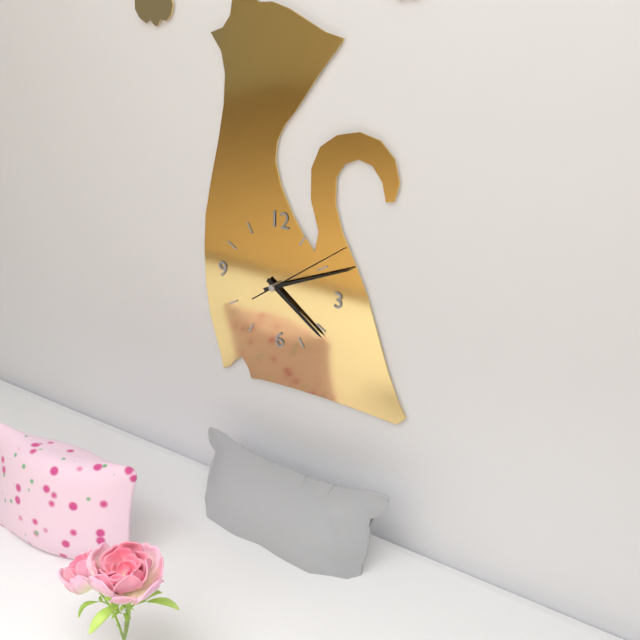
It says 4:11:09
